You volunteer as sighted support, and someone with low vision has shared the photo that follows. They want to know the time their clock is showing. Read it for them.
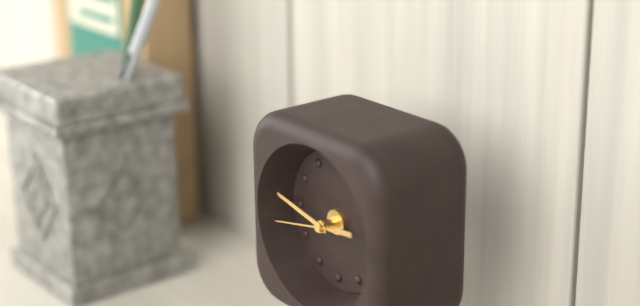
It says 2:47:43
